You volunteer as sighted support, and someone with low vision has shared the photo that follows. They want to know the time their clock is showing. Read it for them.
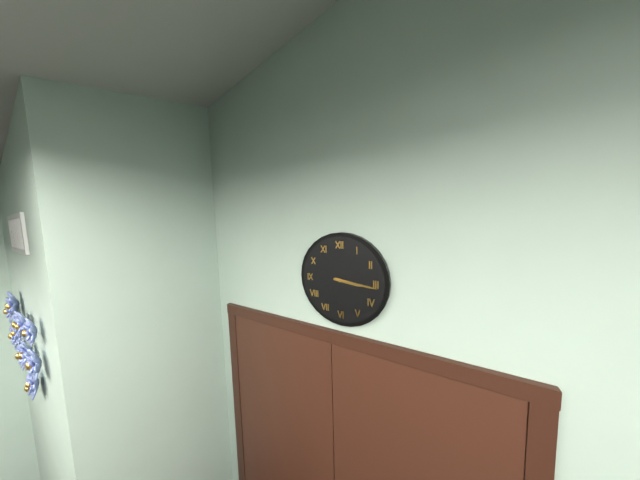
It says 3:16
